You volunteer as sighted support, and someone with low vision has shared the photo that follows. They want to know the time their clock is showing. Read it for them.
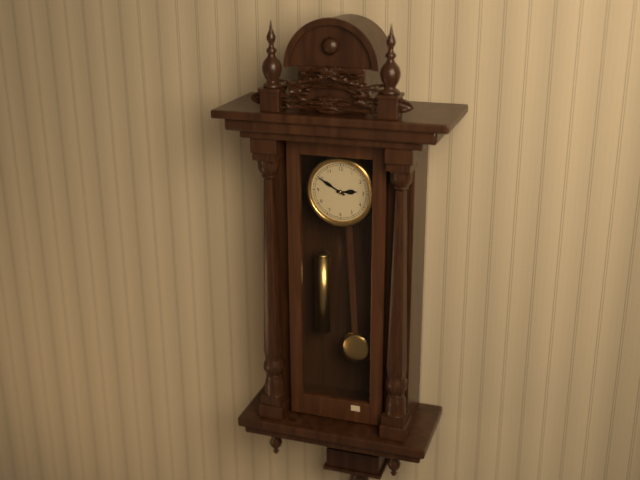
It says 2:50
